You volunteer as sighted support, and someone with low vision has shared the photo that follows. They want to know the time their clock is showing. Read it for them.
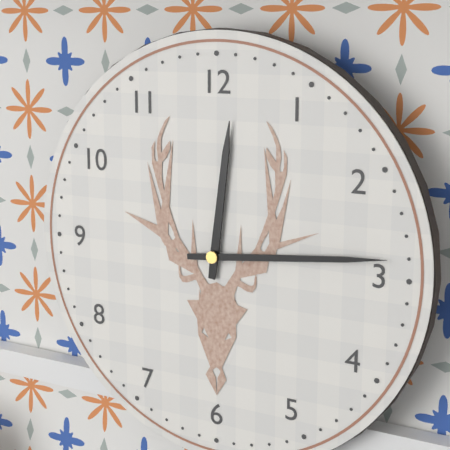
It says 12:14
